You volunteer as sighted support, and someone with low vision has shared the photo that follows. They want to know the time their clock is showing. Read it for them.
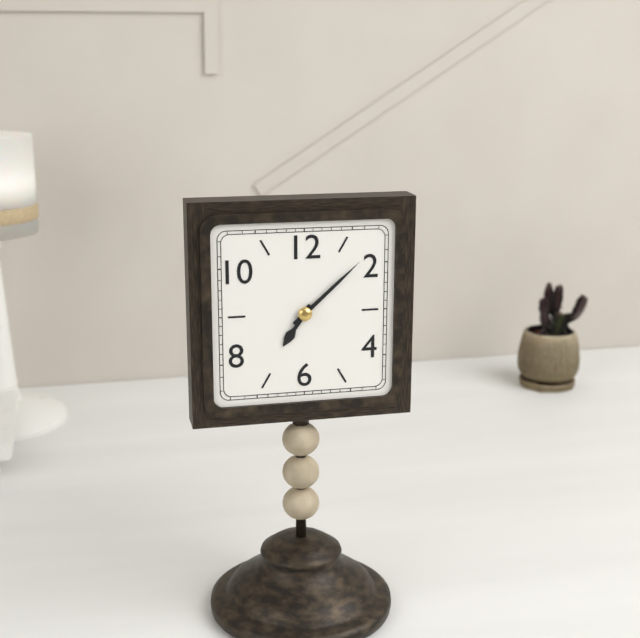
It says 7:08
